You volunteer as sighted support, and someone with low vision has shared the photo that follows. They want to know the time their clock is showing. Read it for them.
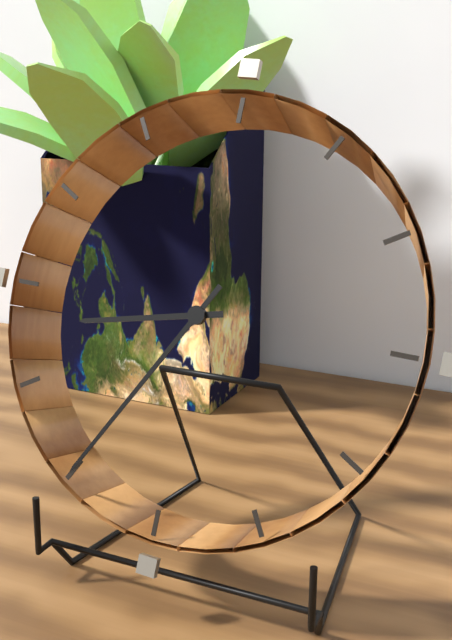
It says 8:35
